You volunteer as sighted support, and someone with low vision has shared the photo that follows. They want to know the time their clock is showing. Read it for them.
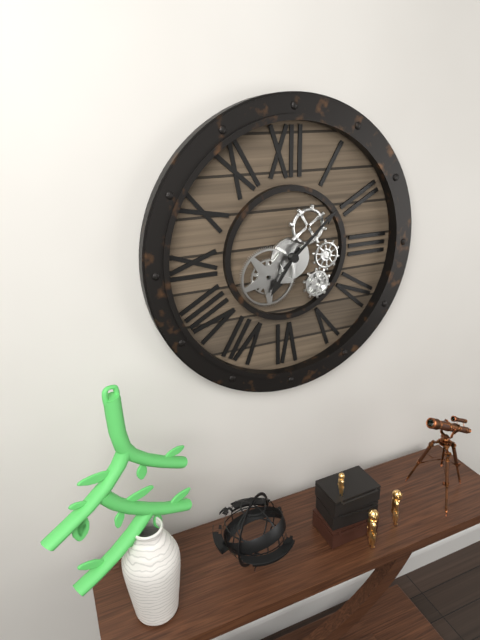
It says 7:08
